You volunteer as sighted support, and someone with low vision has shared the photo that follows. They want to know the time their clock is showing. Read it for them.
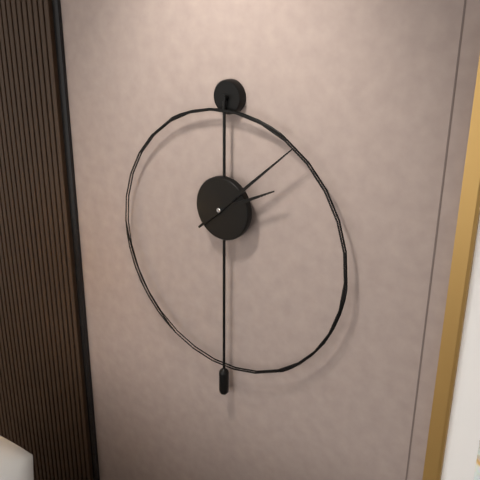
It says 2:08
